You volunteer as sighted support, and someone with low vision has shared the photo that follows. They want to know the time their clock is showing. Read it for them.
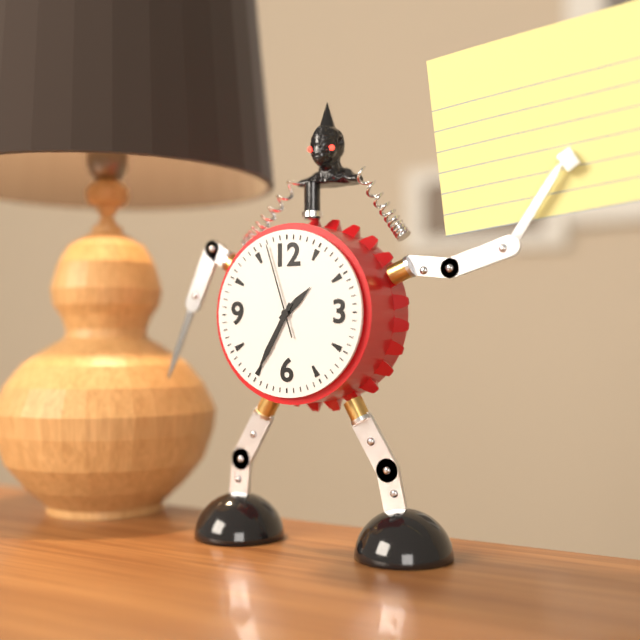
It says 1:35:57
